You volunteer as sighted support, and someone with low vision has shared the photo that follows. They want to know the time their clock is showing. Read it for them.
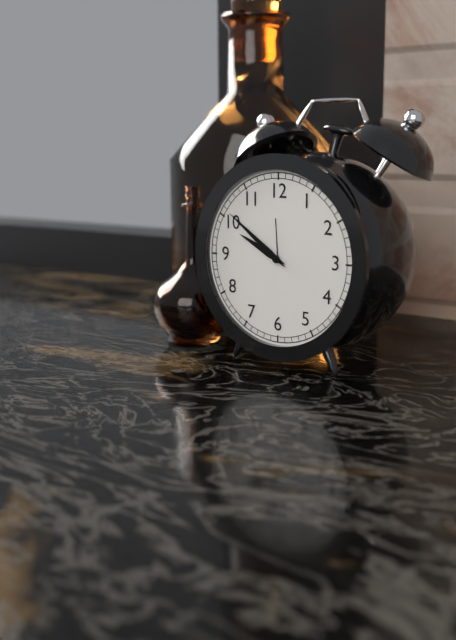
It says 9:51
